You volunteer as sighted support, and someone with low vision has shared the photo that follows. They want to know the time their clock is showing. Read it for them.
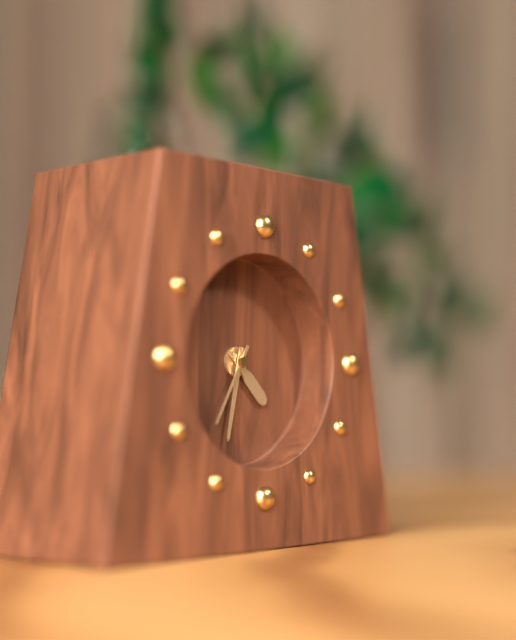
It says 4:32:35
